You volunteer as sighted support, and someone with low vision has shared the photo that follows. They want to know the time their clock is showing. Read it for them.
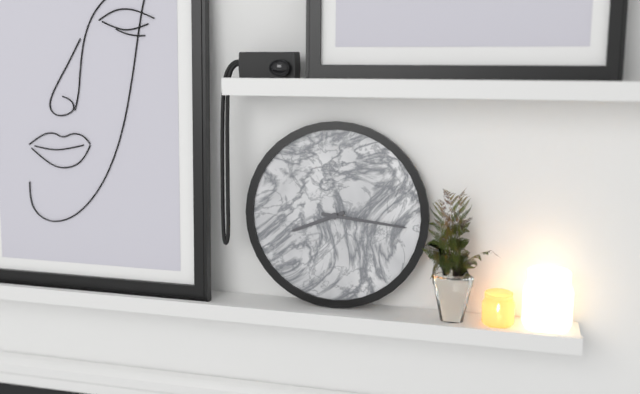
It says 8:16
